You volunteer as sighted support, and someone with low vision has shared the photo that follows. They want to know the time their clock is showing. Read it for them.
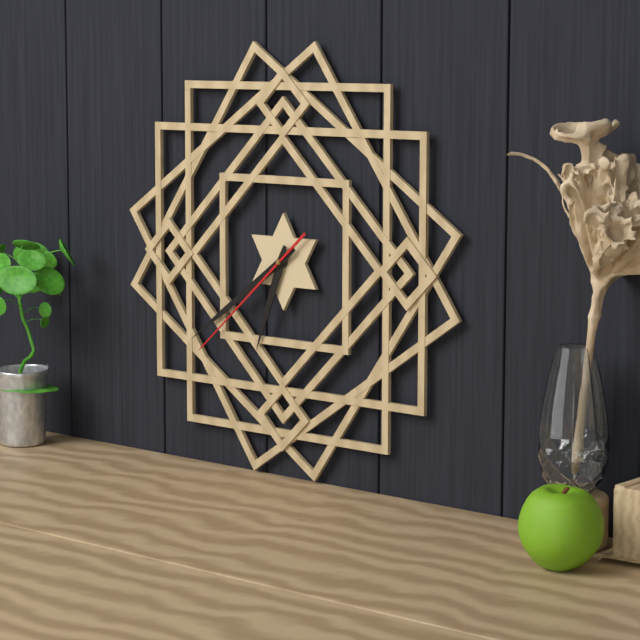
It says 6:39:38
